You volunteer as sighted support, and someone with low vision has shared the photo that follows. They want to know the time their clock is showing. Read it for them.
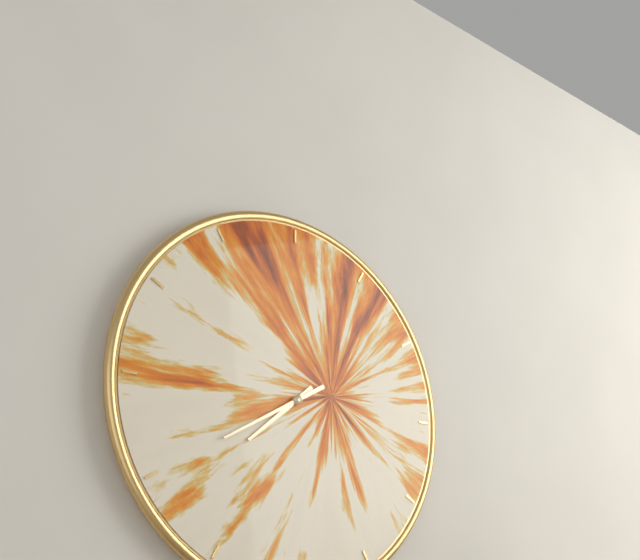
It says 7:40
